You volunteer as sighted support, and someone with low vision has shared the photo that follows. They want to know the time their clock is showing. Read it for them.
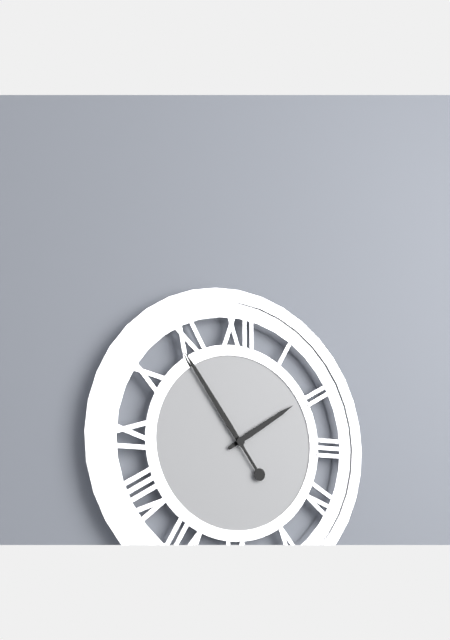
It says 1:54
